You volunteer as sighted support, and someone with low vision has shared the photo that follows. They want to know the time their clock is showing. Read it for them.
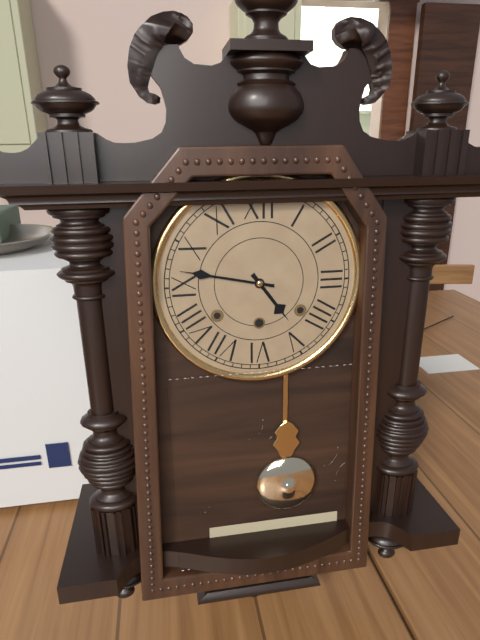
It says 4:47
